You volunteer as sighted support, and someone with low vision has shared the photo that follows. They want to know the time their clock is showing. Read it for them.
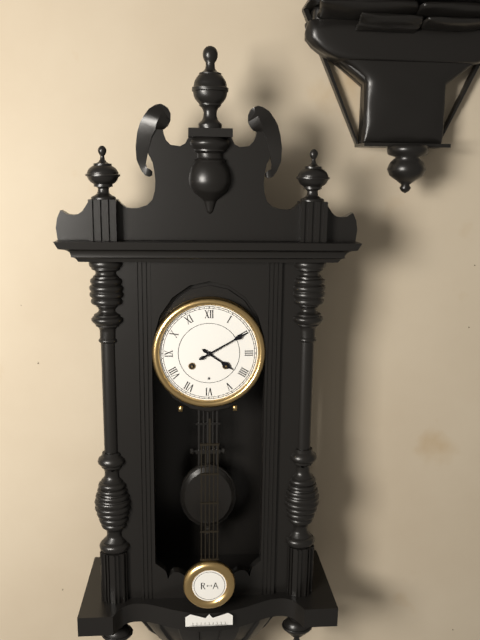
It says 4:10
